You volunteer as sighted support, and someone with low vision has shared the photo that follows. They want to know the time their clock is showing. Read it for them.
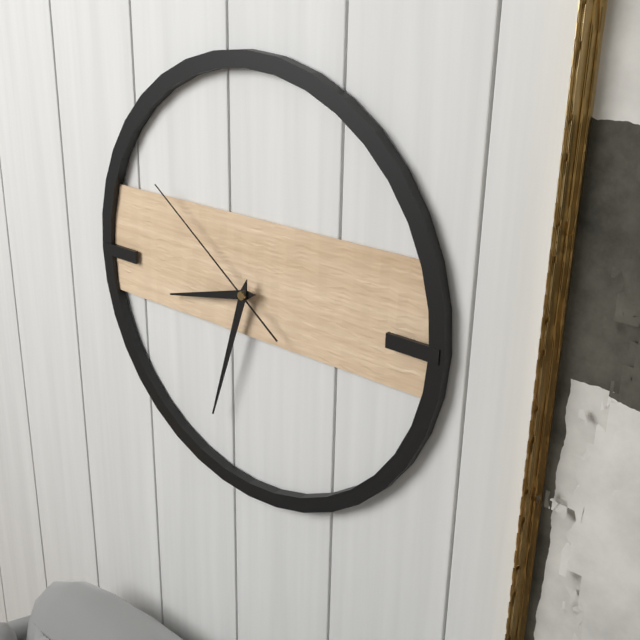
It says 8:33:51
